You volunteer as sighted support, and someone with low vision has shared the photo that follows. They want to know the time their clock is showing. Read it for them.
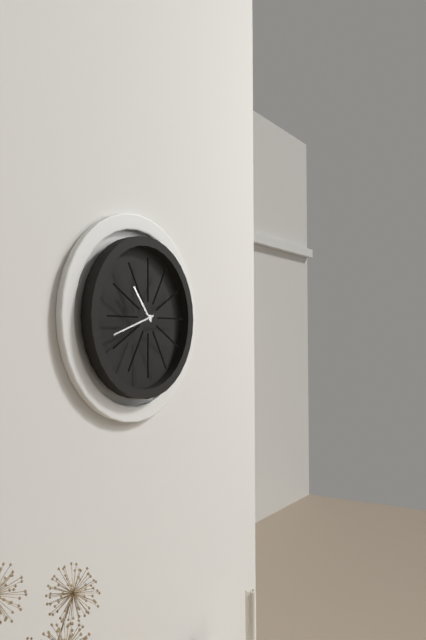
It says 10:42
